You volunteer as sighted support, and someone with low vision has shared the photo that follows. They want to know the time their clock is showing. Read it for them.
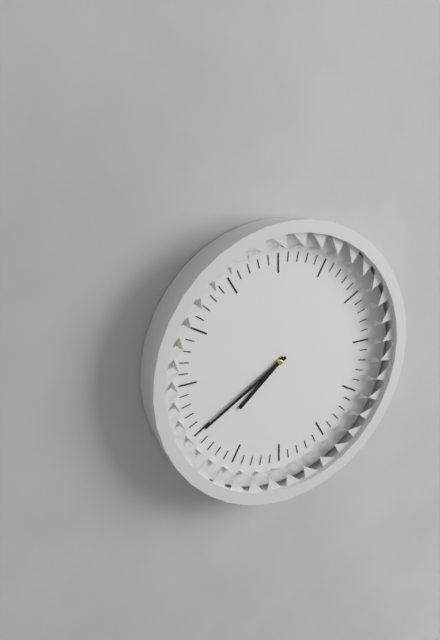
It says 7:40
